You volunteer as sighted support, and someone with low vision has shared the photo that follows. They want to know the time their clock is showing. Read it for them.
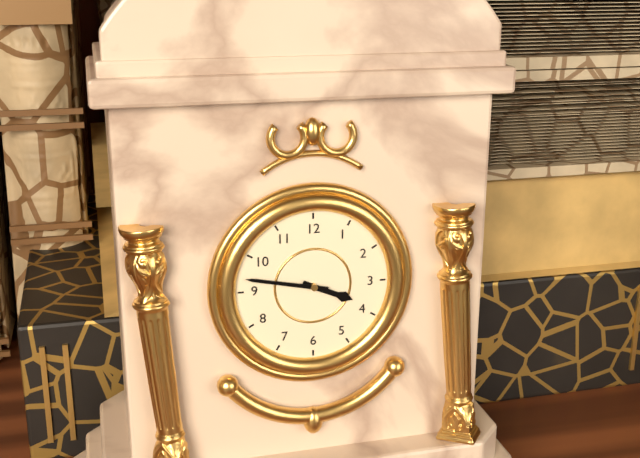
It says 3:47
